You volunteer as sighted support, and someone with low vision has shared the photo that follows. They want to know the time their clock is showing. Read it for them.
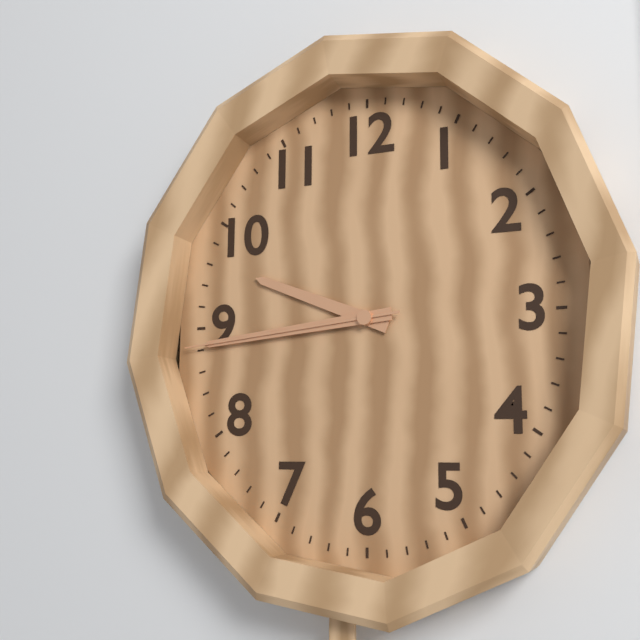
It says 9:44:44
